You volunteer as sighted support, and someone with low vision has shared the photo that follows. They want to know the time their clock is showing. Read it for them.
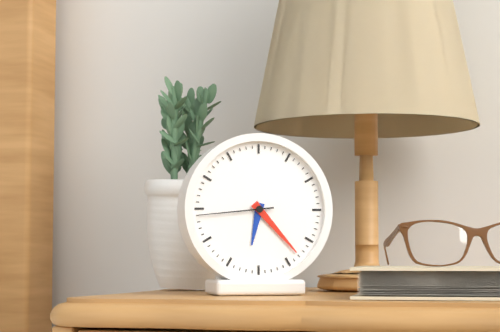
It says 6:23:44
